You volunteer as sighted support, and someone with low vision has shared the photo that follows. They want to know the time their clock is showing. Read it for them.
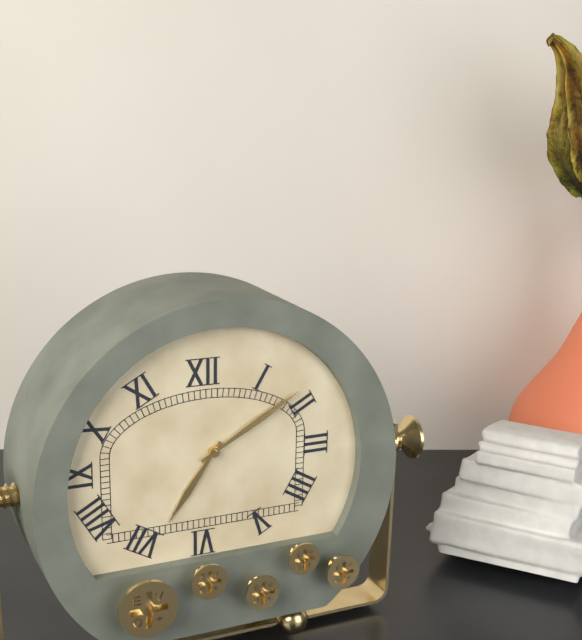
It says 7:10
